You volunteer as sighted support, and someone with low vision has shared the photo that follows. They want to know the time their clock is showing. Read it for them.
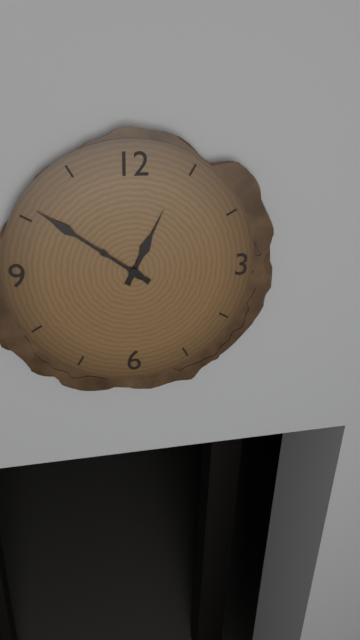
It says 12:51
